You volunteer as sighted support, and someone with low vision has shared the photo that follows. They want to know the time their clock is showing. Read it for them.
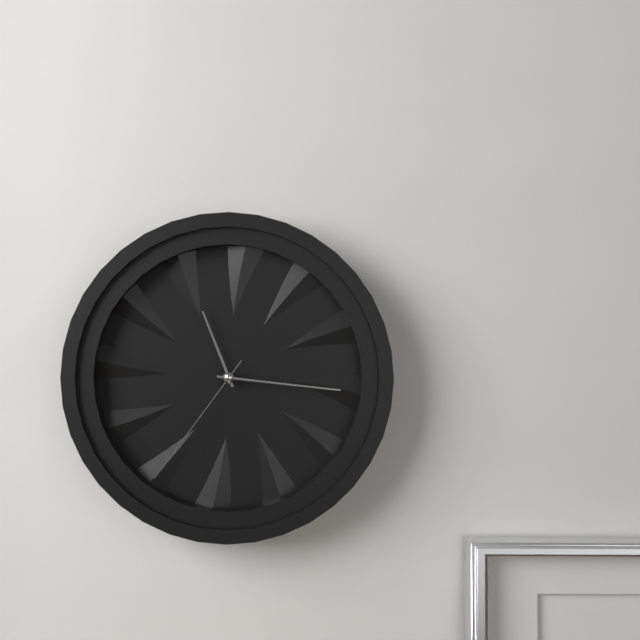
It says 11:16:36
